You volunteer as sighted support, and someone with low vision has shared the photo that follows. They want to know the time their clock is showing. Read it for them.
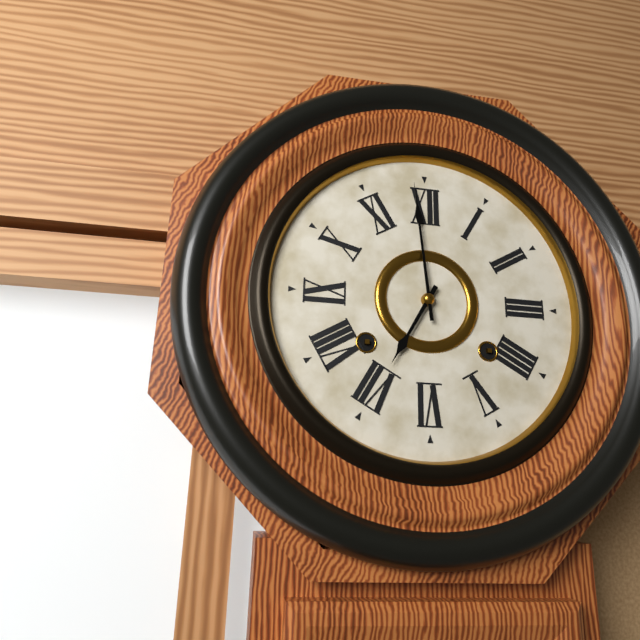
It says 6:59
